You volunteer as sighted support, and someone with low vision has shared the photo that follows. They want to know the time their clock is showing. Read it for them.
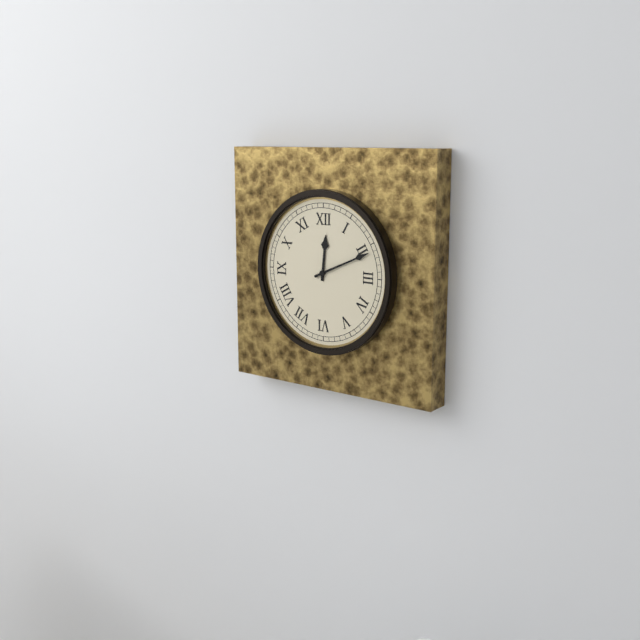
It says 12:11
